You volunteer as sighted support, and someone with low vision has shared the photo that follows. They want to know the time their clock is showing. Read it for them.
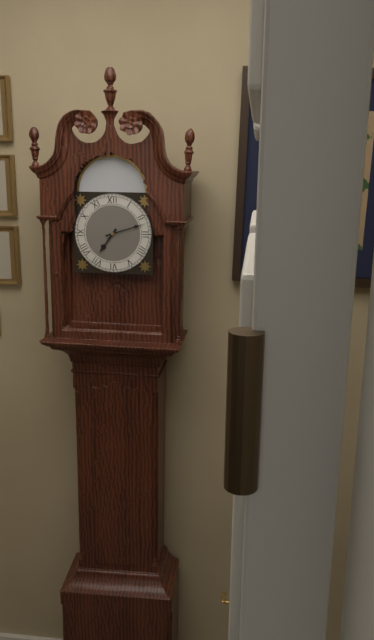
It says 7:12
